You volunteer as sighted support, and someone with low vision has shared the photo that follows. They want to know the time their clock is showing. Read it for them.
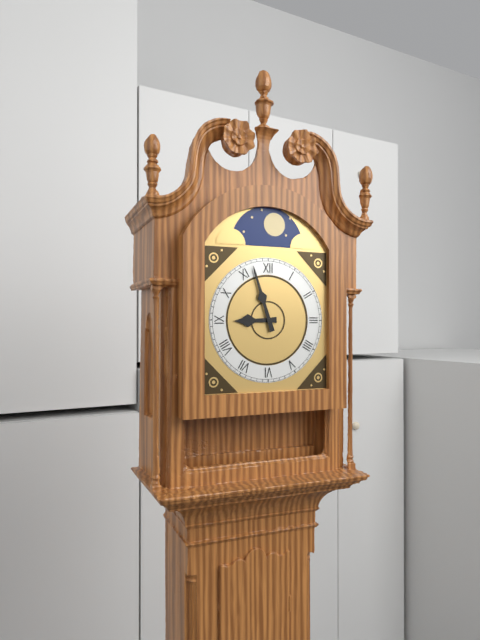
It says 8:57
